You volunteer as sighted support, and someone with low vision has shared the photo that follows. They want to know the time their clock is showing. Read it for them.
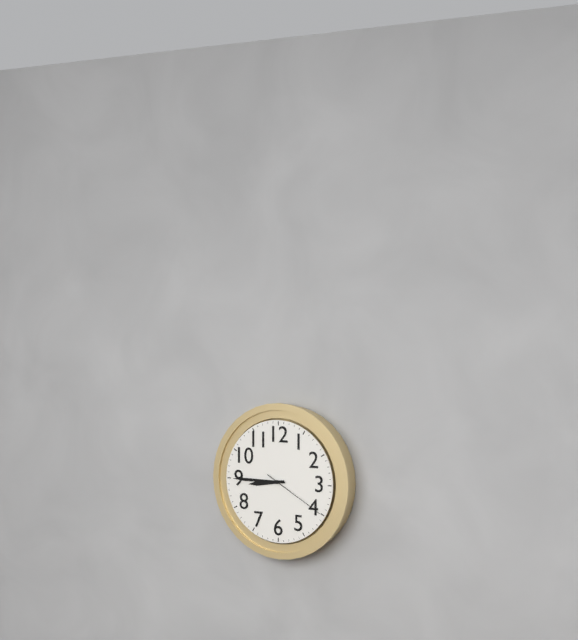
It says 8:45:20
